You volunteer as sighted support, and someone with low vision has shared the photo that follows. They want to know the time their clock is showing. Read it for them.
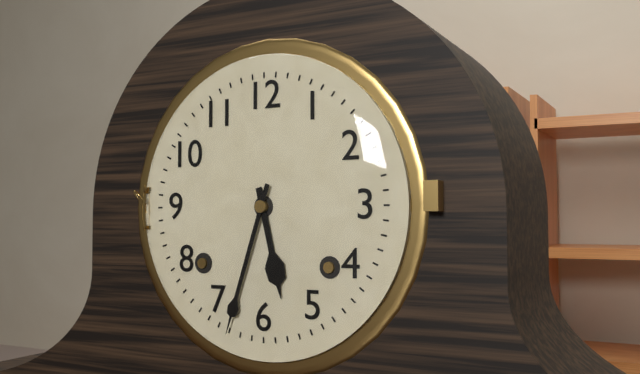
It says 5:33
